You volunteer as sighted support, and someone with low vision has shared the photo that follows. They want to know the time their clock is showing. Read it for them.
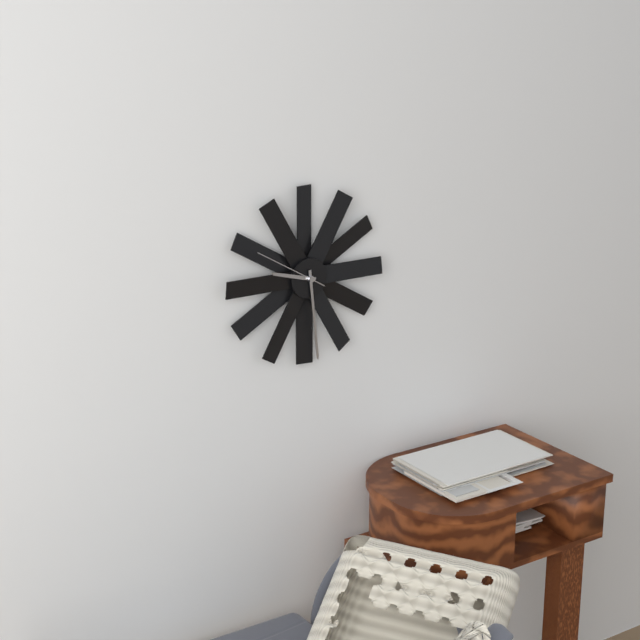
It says 9:29:50
